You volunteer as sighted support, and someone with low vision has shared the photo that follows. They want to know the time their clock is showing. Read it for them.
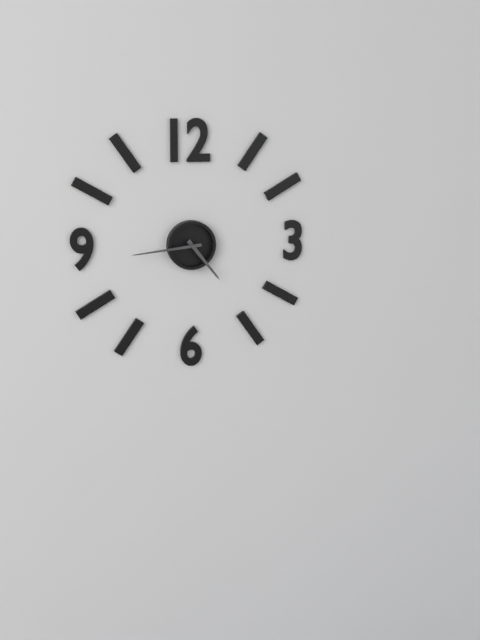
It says 4:44
